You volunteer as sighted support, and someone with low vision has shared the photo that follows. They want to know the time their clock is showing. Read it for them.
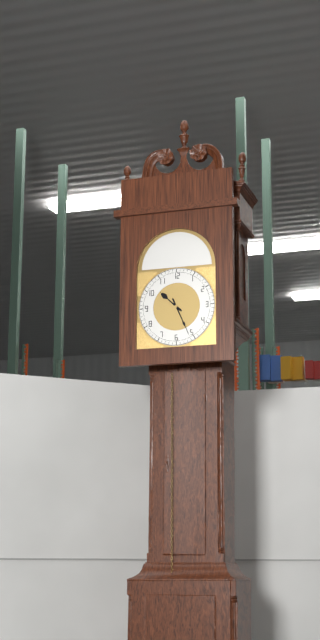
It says 10:26
